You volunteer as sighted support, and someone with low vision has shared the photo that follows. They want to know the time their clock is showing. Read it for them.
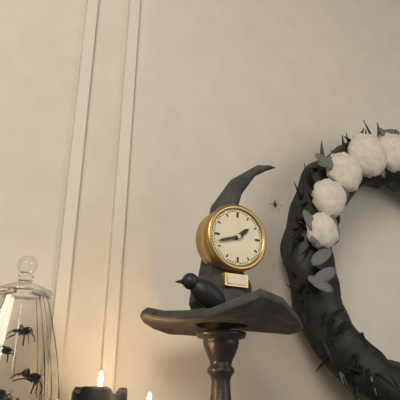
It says 1:42
